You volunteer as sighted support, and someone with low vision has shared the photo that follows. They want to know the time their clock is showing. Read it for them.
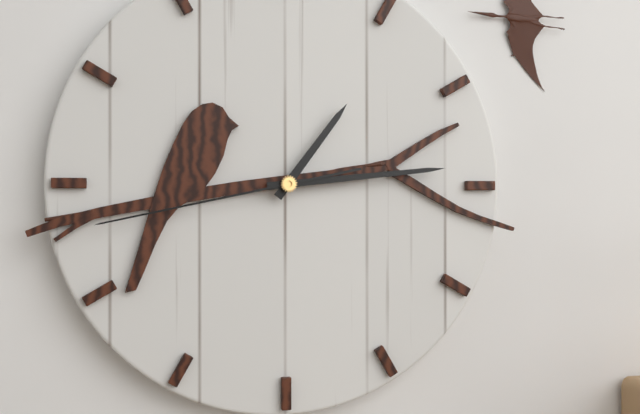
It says 1:14:43
